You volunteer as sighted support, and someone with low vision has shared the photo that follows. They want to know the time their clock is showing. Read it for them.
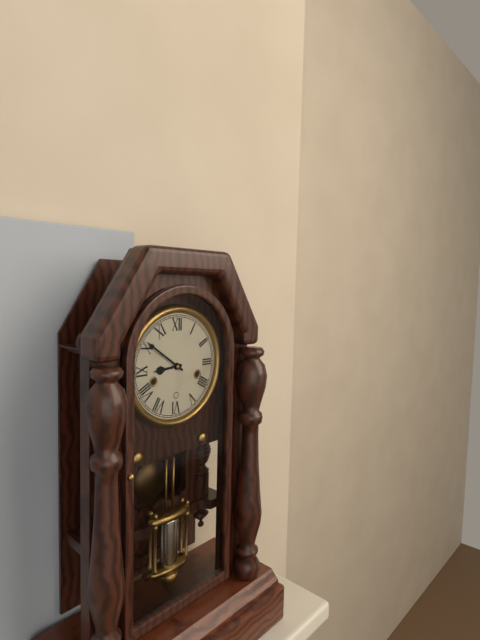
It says 8:51
